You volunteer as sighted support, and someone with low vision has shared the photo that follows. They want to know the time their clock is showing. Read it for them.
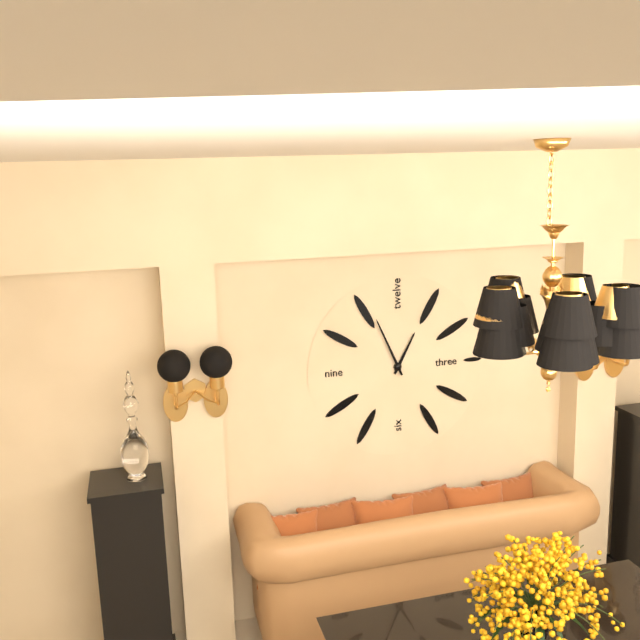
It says 12:56
